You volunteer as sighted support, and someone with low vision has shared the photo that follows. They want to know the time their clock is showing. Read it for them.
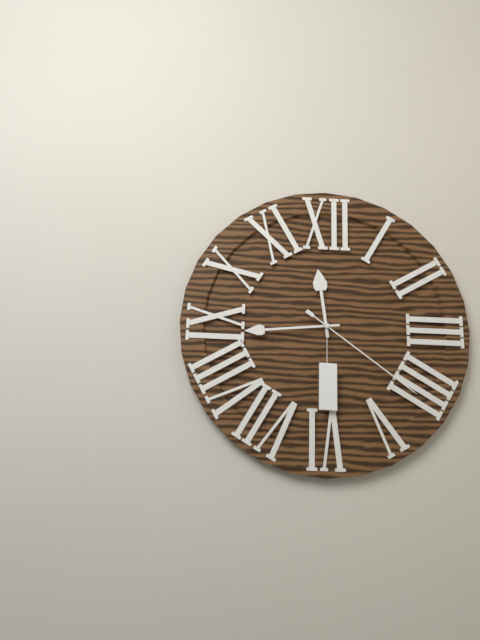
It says 11:44:21
